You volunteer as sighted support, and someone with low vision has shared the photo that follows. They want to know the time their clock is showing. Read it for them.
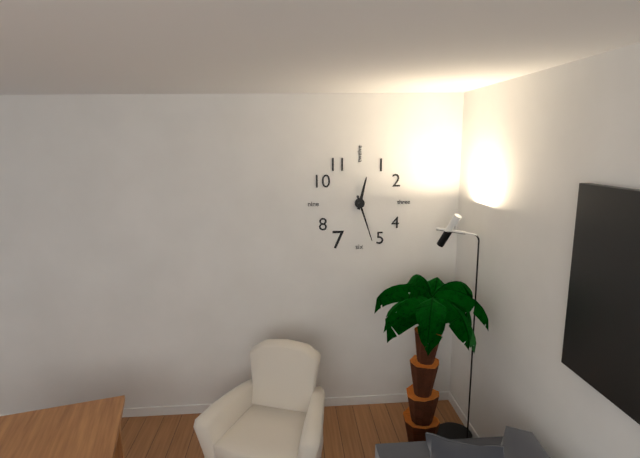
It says 12:27
